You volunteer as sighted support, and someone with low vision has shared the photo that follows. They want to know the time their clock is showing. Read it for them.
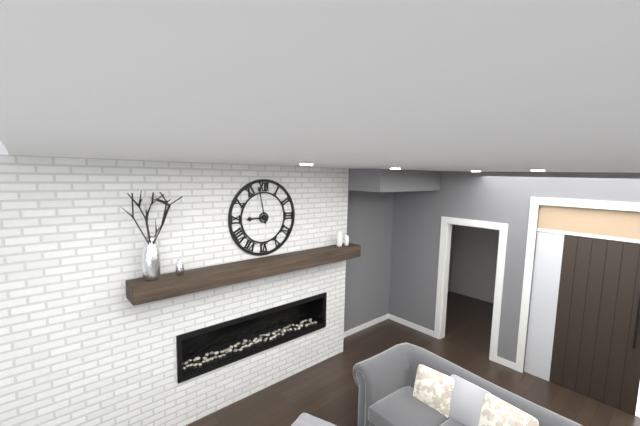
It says 8:58
